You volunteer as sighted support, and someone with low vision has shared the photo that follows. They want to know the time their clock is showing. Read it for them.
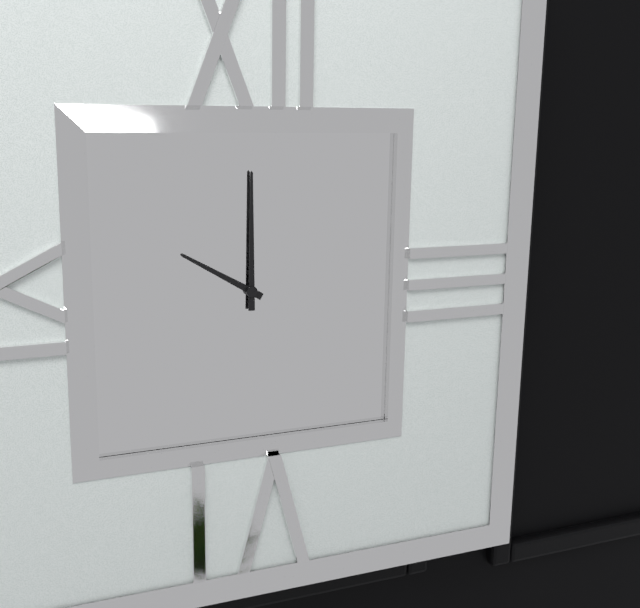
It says 10:00
